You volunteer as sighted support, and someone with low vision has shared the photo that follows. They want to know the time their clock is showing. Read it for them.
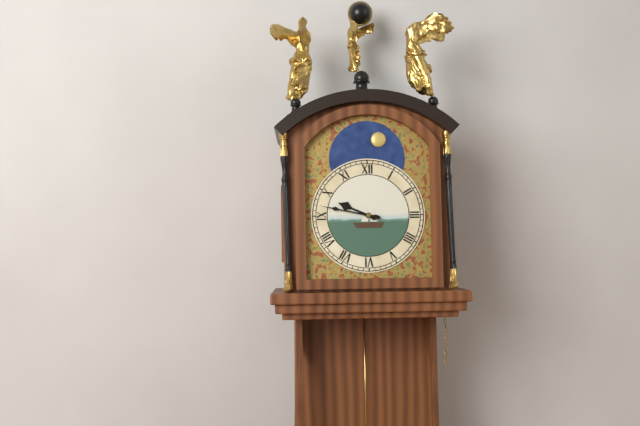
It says 9:47
